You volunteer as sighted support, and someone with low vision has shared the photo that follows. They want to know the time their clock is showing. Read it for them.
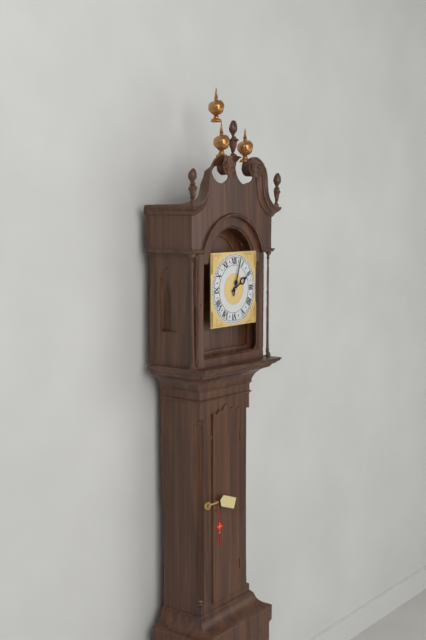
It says 2:03
